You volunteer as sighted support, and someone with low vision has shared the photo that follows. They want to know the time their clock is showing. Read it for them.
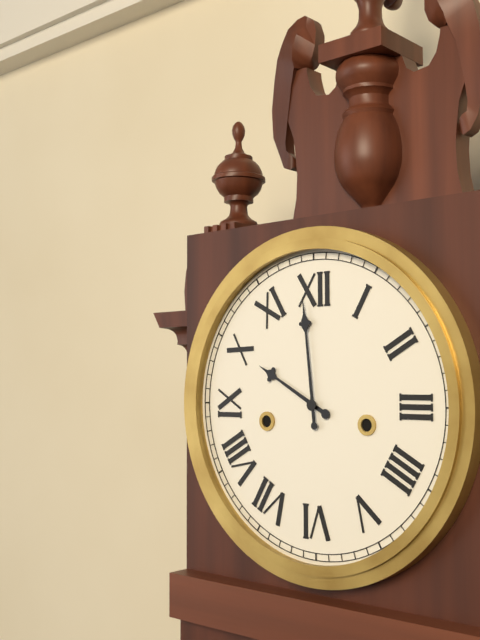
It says 9:59
